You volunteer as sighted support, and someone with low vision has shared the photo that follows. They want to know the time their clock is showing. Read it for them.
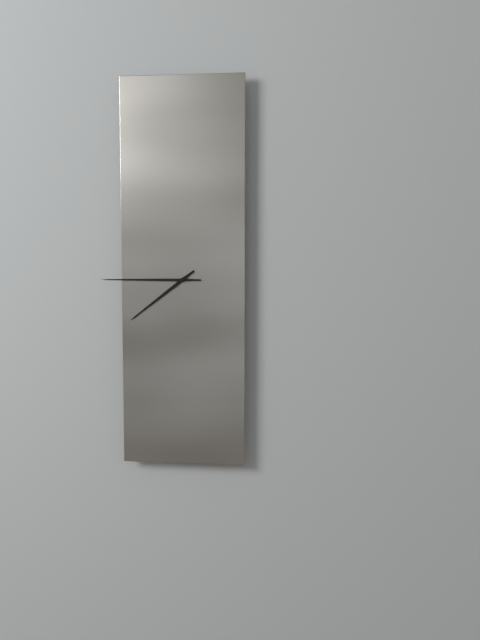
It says 7:45
